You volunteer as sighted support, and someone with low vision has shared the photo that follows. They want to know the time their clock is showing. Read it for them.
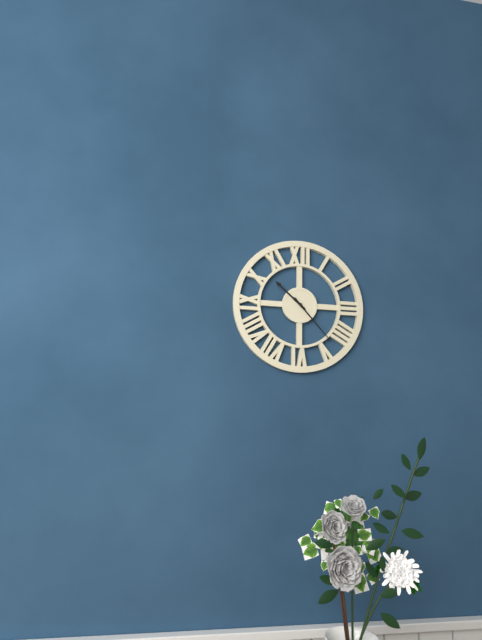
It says 10:23
